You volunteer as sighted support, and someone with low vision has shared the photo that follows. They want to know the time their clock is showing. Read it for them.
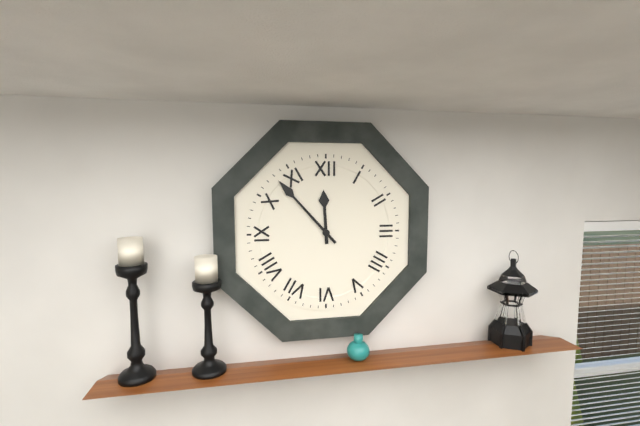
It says 11:53
